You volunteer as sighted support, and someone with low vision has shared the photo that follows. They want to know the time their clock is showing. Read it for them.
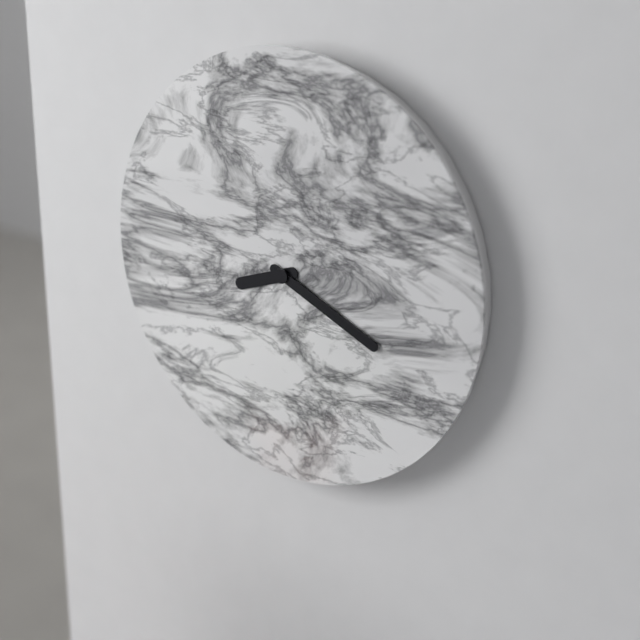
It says 8:19
